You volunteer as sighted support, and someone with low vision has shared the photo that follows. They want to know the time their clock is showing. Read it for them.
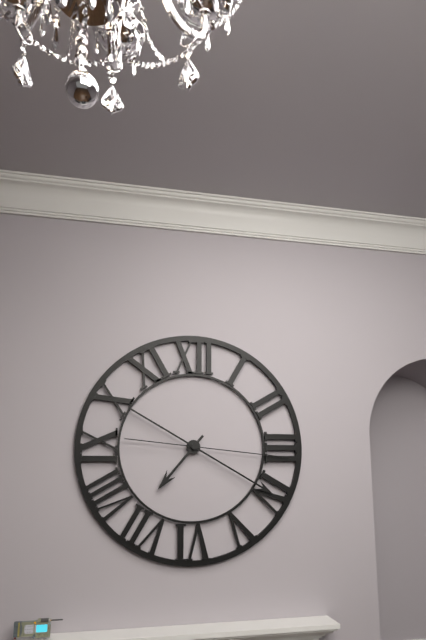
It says 7:20:16
